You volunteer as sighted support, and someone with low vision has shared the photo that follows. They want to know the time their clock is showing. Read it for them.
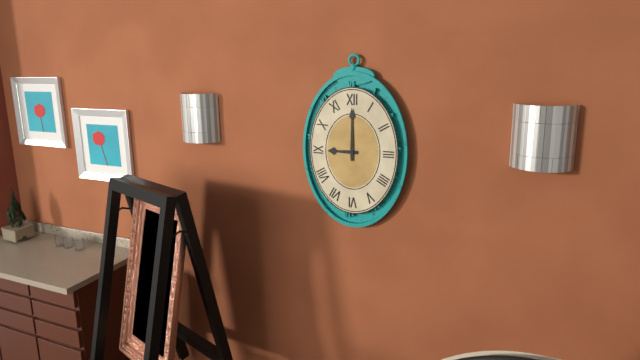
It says 9:00
